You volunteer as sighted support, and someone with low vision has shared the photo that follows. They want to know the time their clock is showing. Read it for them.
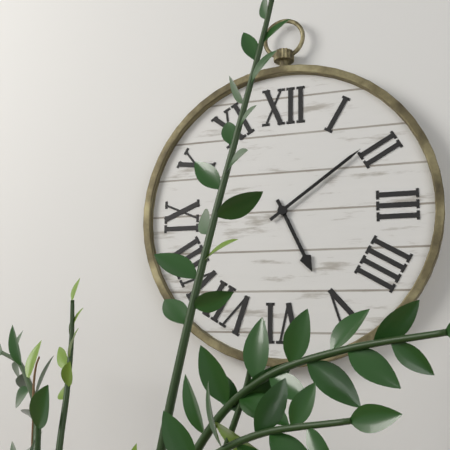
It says 5:09
